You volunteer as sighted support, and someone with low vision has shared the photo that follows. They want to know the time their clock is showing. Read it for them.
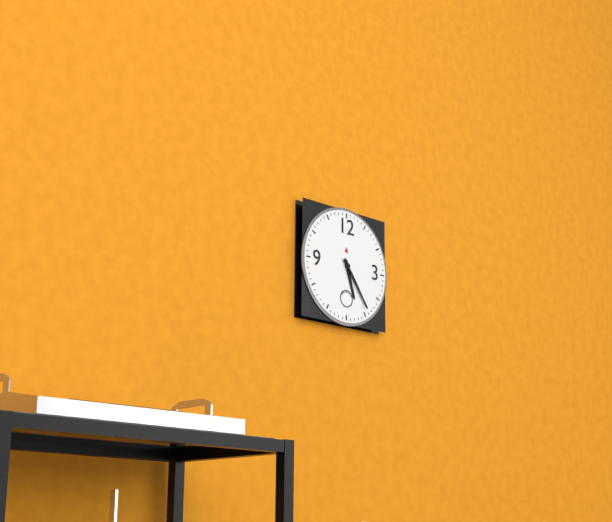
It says 5:24
